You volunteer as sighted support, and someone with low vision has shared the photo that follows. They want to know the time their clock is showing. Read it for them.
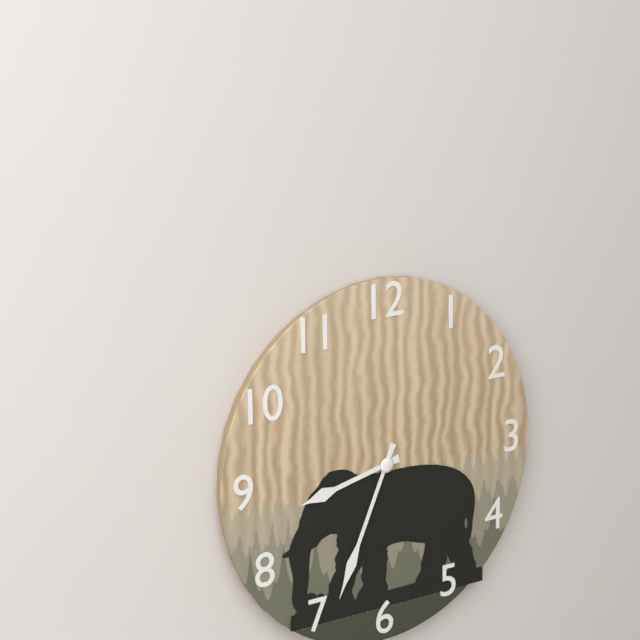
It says 8:34
